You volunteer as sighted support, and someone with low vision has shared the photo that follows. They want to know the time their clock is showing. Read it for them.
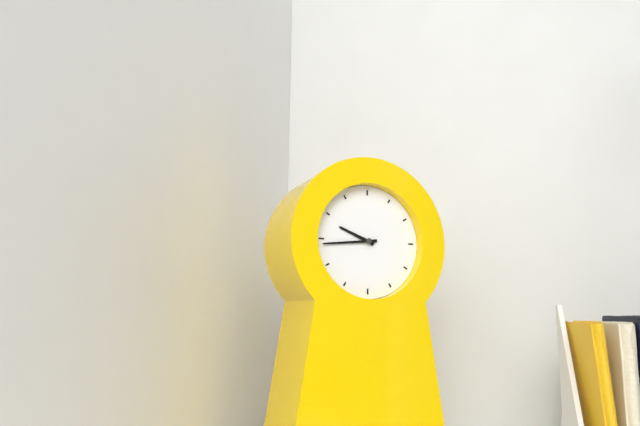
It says 9:44
